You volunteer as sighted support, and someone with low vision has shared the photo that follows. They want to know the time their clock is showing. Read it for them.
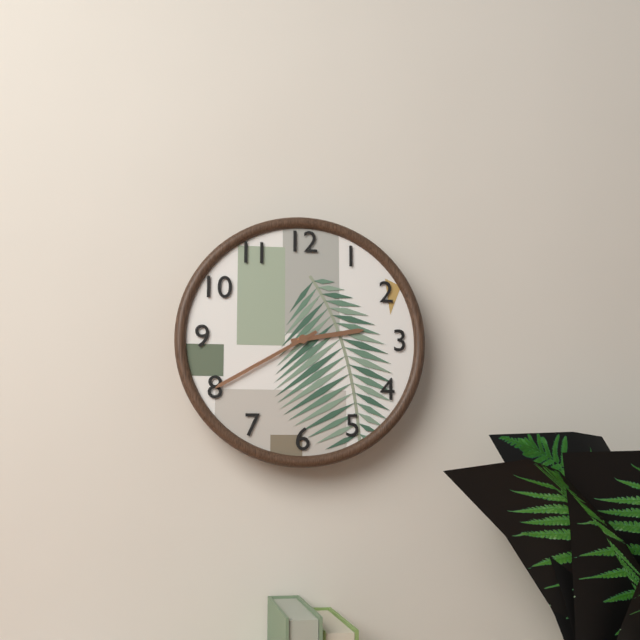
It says 2:40
